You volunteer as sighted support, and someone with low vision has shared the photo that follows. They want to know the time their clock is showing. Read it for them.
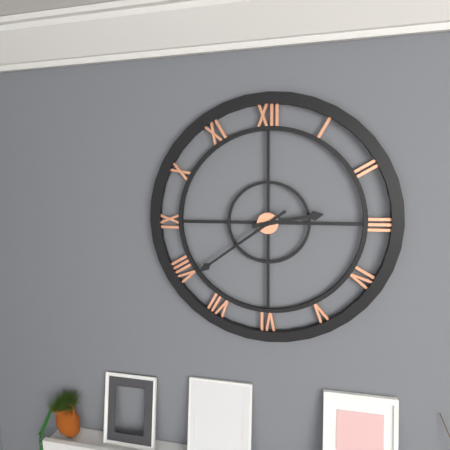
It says 2:39
